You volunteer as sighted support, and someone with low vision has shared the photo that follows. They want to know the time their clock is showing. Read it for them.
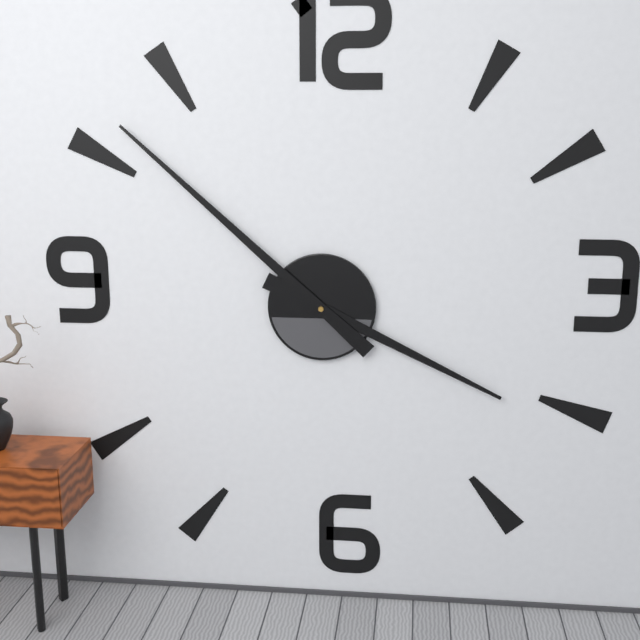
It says 3:52
